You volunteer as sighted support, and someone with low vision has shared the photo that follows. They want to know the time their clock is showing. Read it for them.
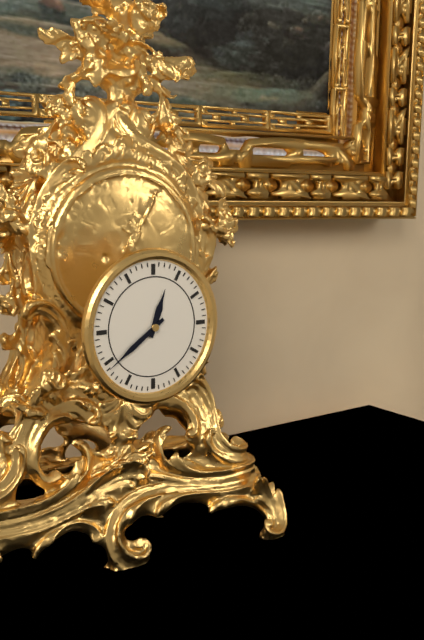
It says 12:39
